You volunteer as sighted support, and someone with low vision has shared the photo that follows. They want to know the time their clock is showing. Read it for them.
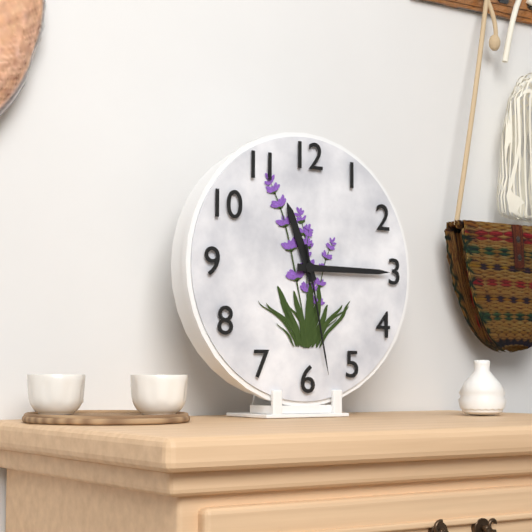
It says 11:15:28
